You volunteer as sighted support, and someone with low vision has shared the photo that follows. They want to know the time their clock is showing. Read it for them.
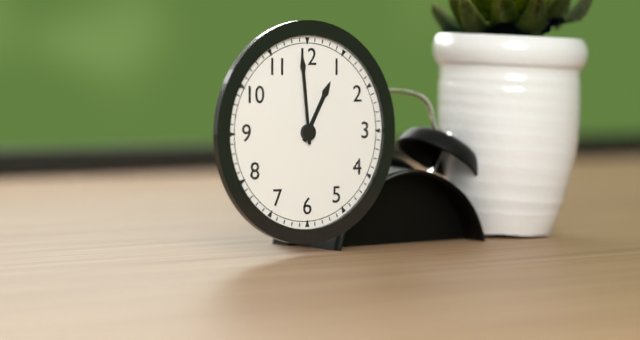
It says 12:59
